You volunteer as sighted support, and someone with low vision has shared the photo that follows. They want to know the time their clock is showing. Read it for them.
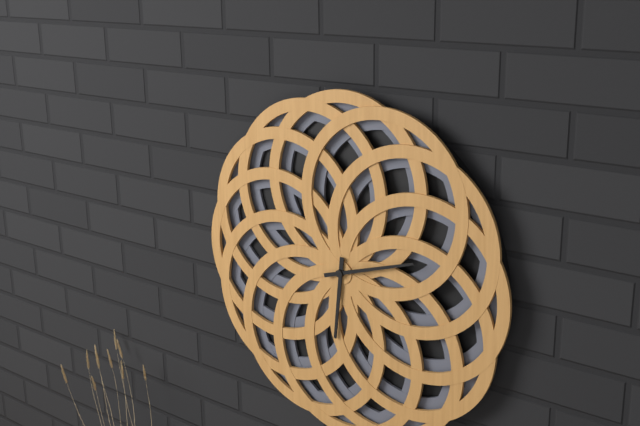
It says 6:12
